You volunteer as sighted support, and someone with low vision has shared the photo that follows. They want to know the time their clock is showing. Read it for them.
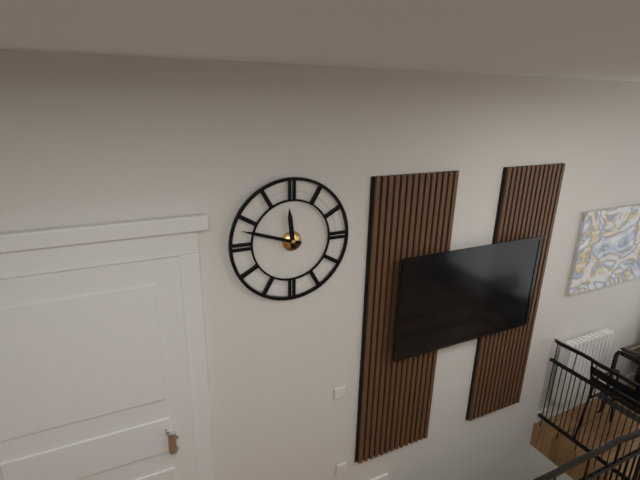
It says 11:48
